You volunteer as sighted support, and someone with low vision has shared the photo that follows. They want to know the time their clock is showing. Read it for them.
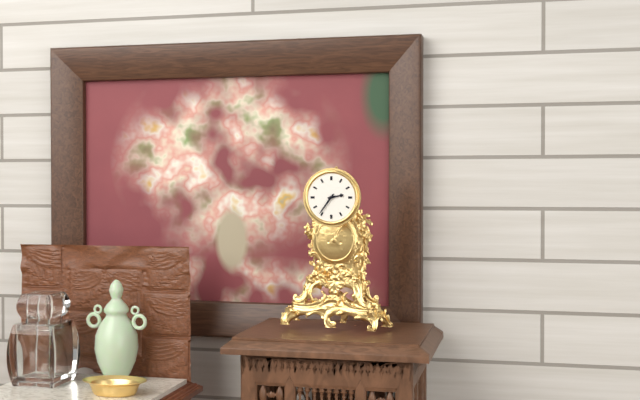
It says 2:36
